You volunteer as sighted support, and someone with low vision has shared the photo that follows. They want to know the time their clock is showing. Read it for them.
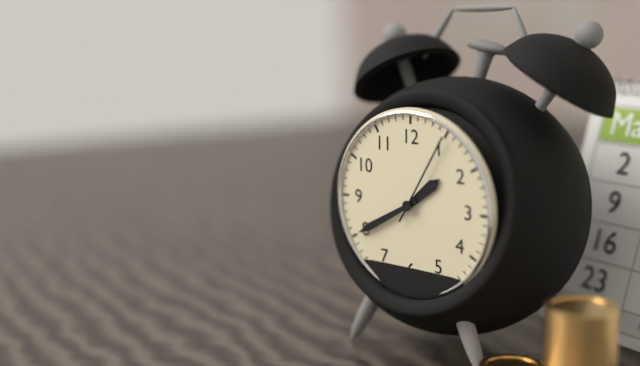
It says 1:40:05
